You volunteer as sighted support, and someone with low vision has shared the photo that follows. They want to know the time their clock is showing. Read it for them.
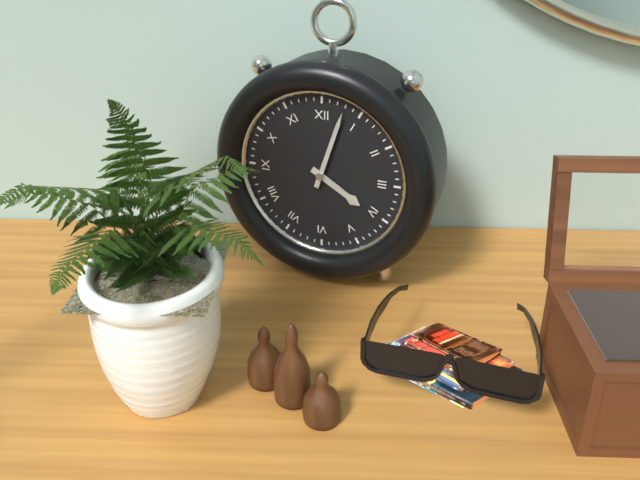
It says 4:03
